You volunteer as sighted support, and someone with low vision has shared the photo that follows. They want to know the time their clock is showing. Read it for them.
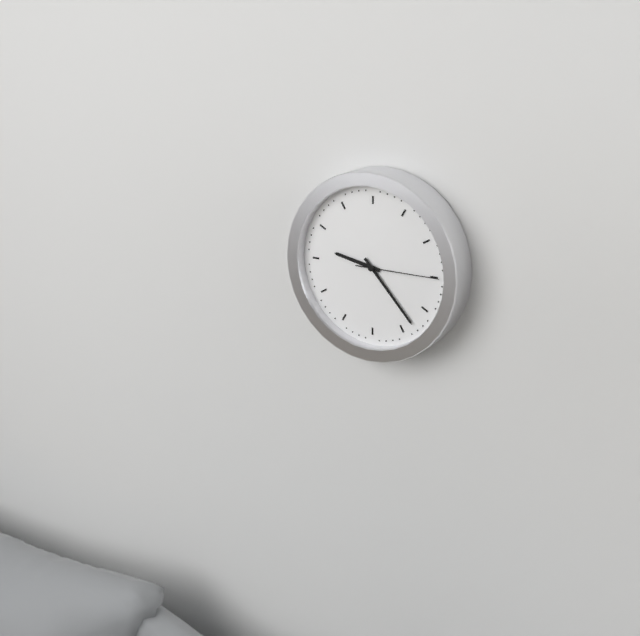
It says 9:23:15
